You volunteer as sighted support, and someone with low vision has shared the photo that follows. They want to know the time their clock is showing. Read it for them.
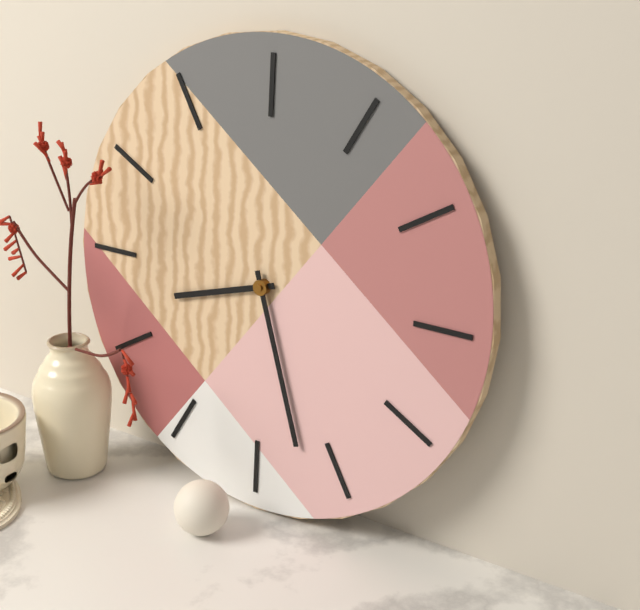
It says 8:27
